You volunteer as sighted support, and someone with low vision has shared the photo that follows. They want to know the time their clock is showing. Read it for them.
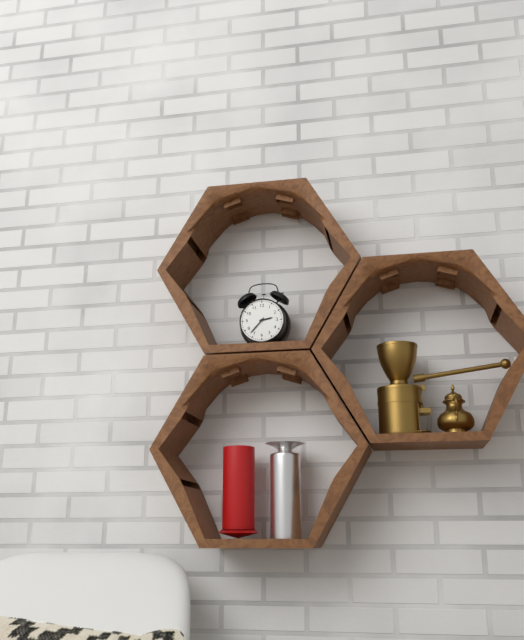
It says 2:37
